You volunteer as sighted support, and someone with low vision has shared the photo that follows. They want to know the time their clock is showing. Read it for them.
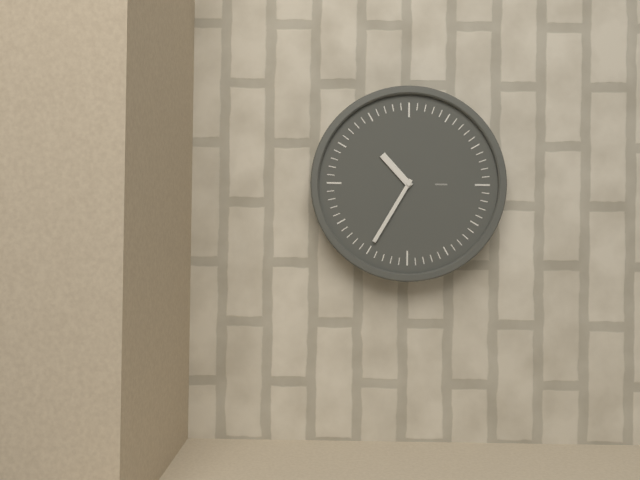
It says 10:35
